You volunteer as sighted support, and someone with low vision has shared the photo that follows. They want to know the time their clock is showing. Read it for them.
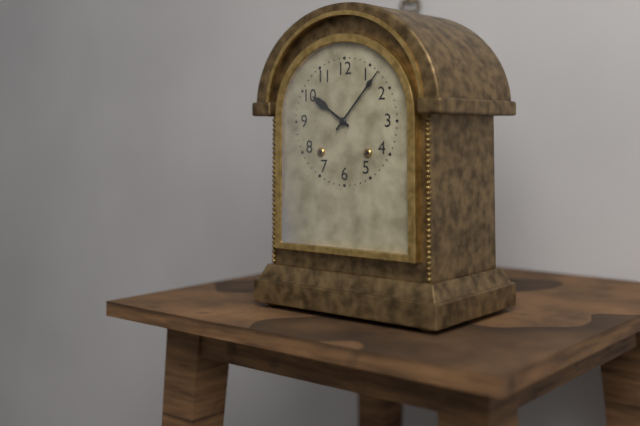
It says 10:07
